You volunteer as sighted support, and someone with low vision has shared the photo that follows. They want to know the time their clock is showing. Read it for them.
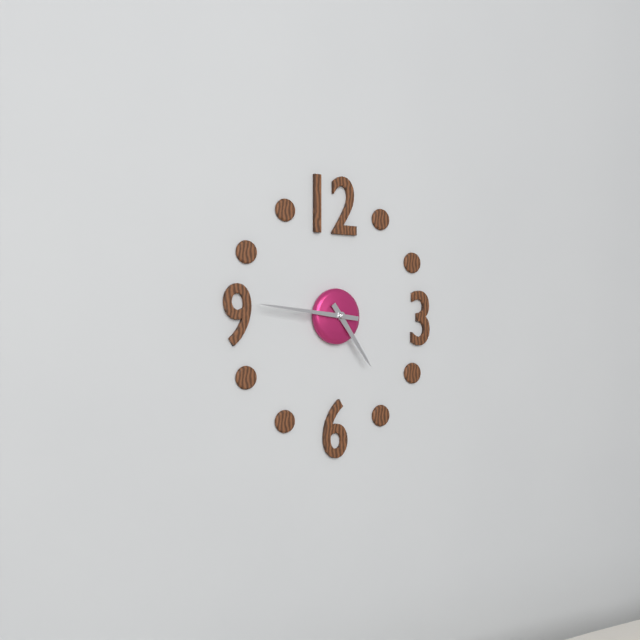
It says 4:46
